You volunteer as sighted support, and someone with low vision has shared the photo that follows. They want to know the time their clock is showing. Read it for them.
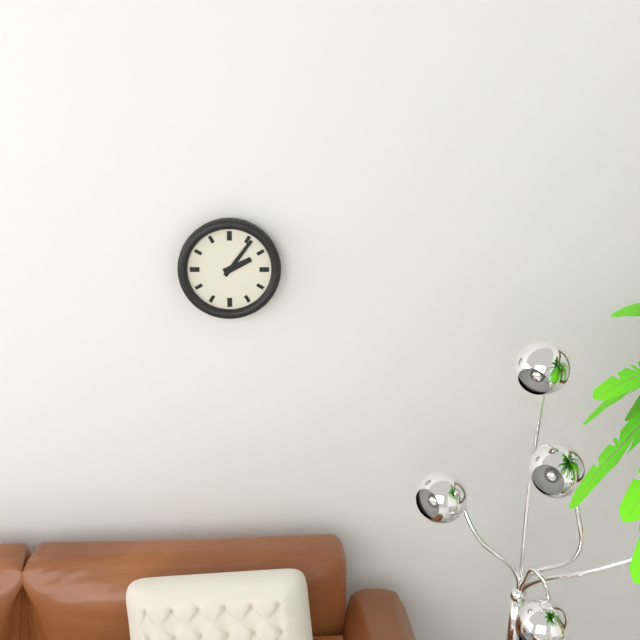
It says 2:06
